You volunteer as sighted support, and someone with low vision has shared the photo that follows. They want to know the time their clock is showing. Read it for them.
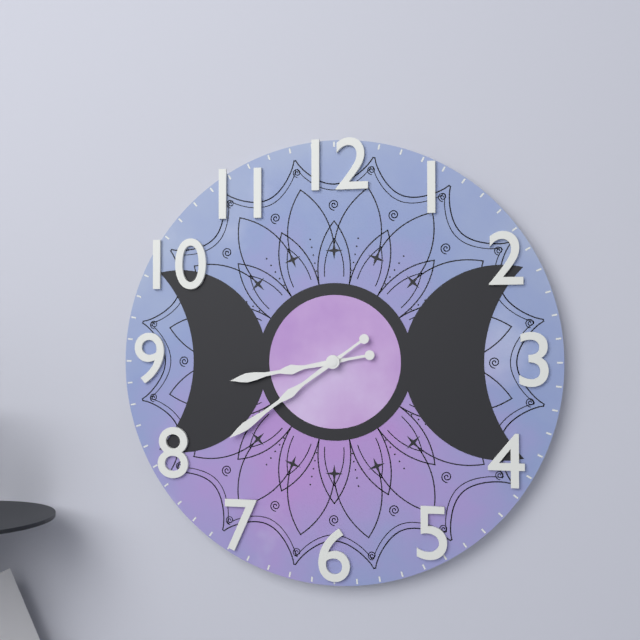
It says 8:39
